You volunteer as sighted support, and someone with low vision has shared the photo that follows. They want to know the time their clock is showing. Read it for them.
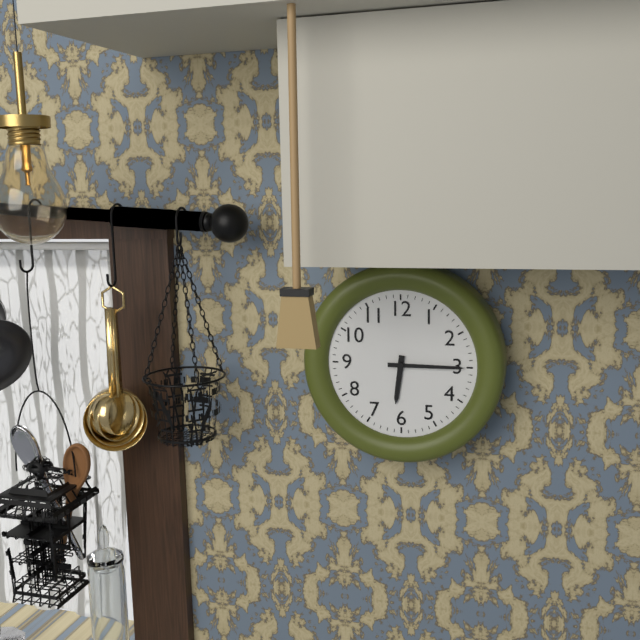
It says 6:15
